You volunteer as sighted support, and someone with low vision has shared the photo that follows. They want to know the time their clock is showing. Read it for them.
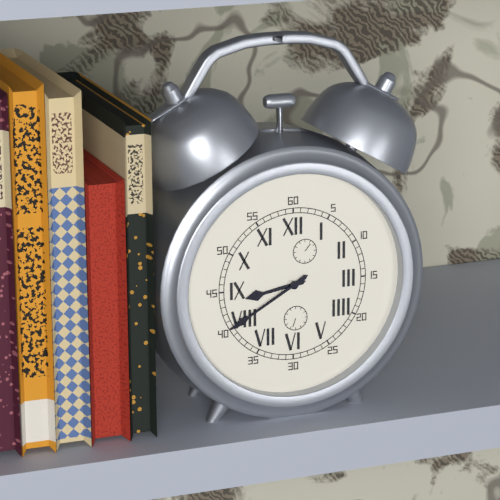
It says 8:40
